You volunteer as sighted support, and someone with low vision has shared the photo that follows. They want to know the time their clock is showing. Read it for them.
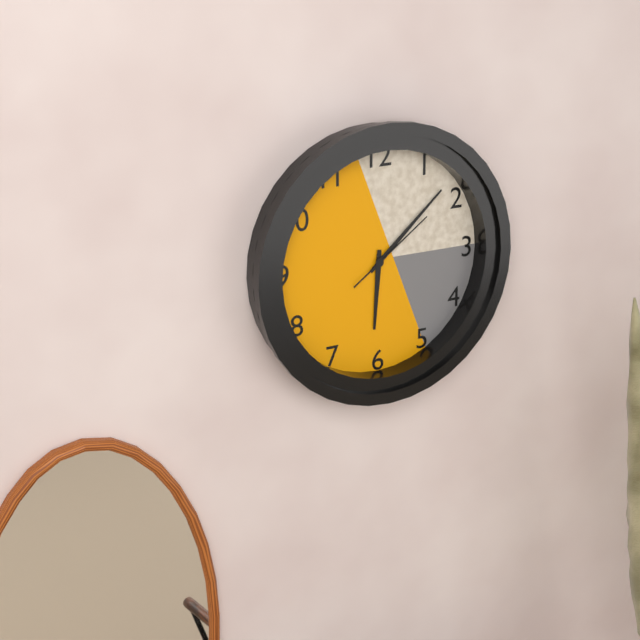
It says 6:08:09
